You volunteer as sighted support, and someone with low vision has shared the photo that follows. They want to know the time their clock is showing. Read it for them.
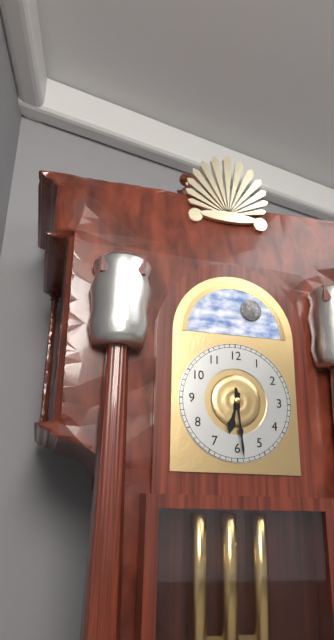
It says 6:29
